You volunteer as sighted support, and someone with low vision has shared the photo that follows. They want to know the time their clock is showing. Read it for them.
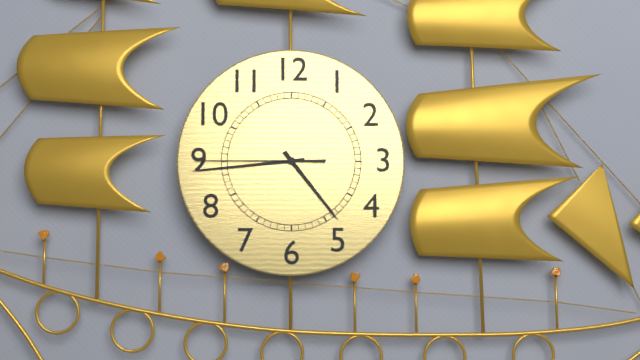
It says 4:44:45
